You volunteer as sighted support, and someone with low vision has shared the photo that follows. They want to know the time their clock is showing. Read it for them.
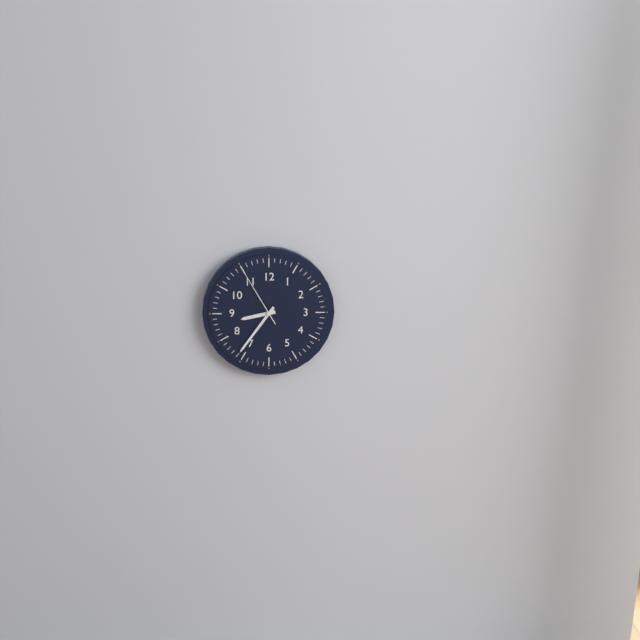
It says 8:36:55
